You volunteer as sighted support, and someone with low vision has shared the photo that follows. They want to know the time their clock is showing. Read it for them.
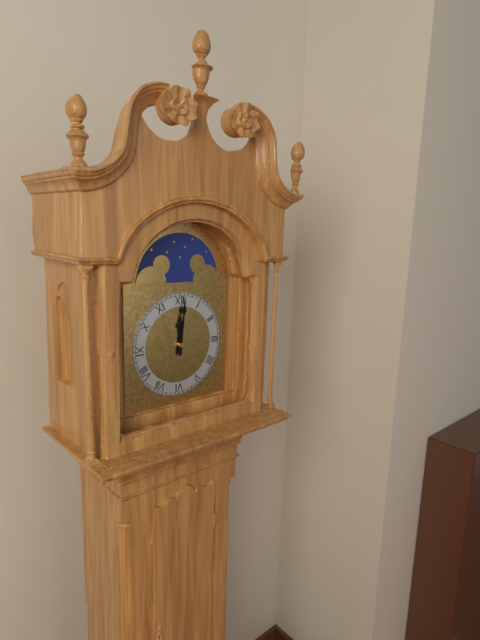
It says 12:01
